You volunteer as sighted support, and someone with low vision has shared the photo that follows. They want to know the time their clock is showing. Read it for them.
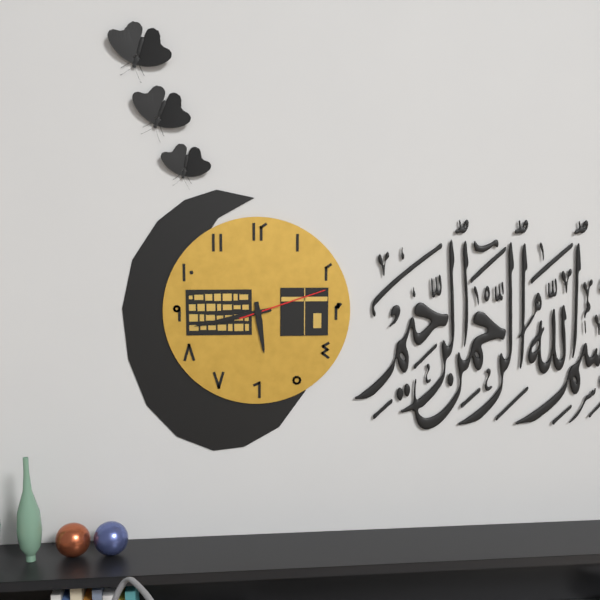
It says 5:43:12
